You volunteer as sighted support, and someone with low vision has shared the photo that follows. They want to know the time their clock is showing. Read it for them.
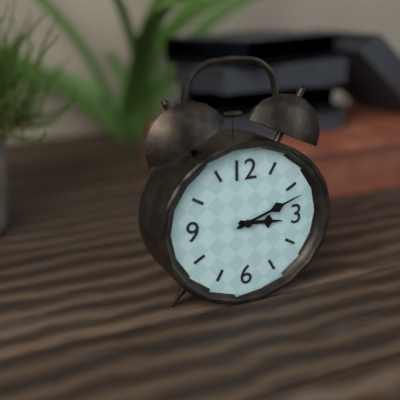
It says 3:12
